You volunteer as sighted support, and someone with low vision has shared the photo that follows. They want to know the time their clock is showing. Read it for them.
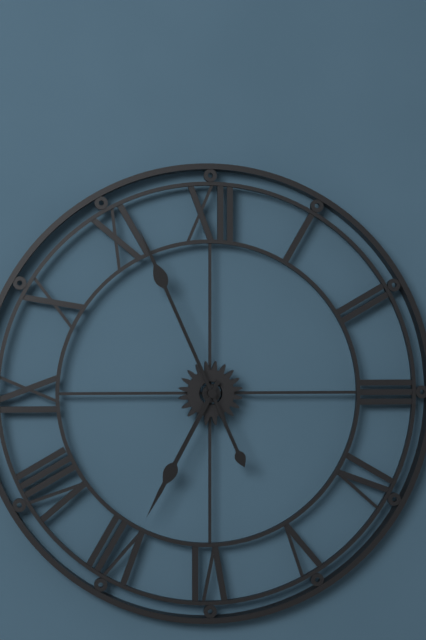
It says 6:56
